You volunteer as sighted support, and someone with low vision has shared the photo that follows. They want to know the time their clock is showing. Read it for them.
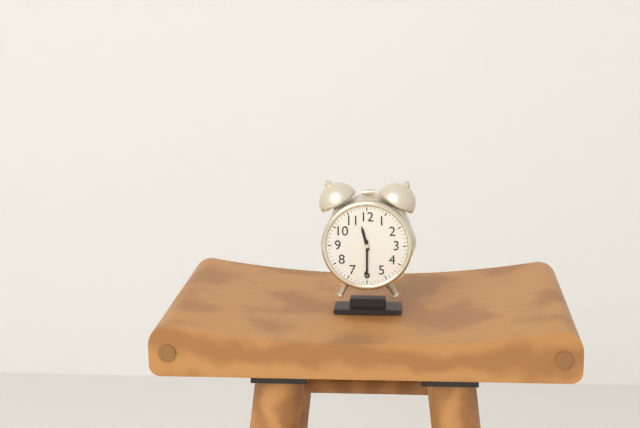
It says 11:30
